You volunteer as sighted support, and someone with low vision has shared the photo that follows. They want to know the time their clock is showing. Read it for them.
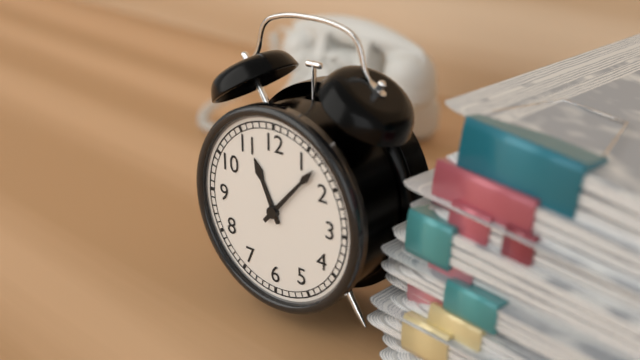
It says 11:07
